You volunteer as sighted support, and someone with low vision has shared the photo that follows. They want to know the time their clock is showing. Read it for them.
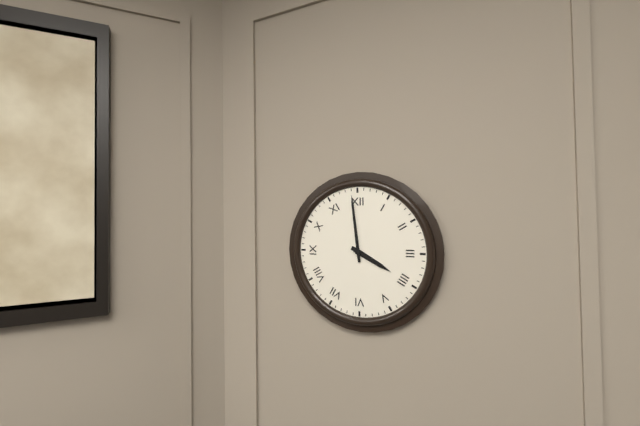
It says 3:59
